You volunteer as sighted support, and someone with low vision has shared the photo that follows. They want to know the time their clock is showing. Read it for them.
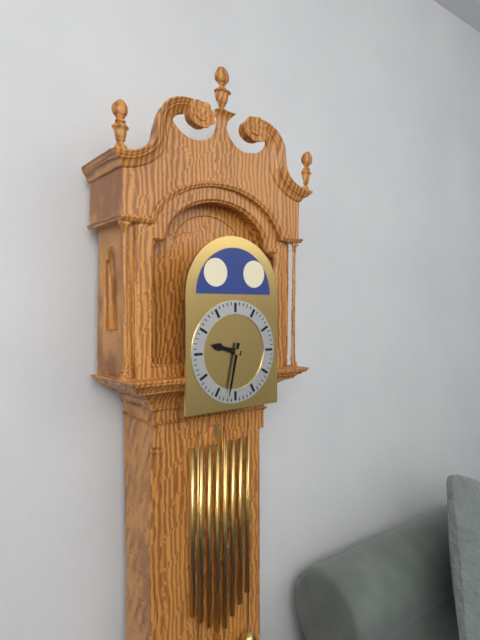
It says 9:32
